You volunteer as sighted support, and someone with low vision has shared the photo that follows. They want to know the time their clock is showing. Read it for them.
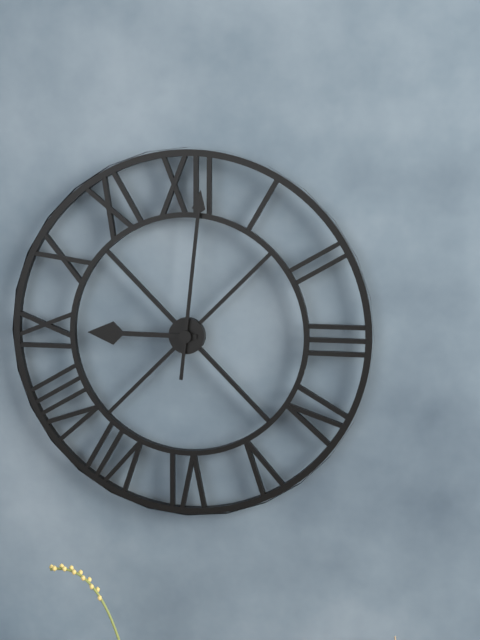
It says 9:01
